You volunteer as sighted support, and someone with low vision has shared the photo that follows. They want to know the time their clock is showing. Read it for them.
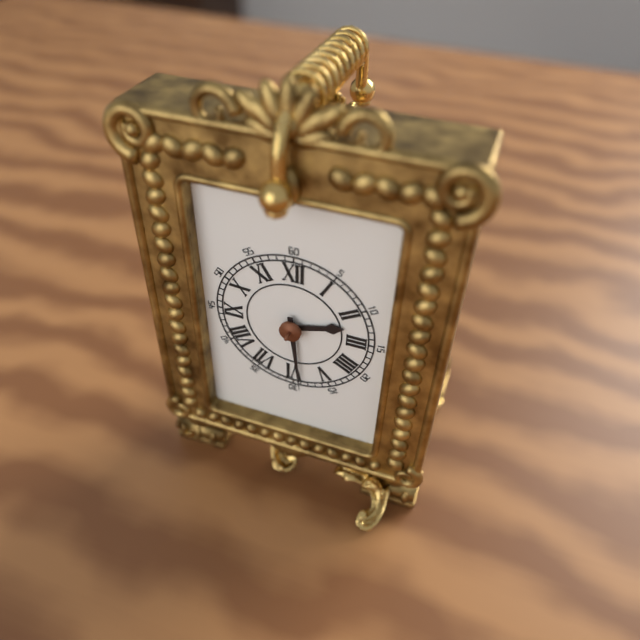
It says 2:29
